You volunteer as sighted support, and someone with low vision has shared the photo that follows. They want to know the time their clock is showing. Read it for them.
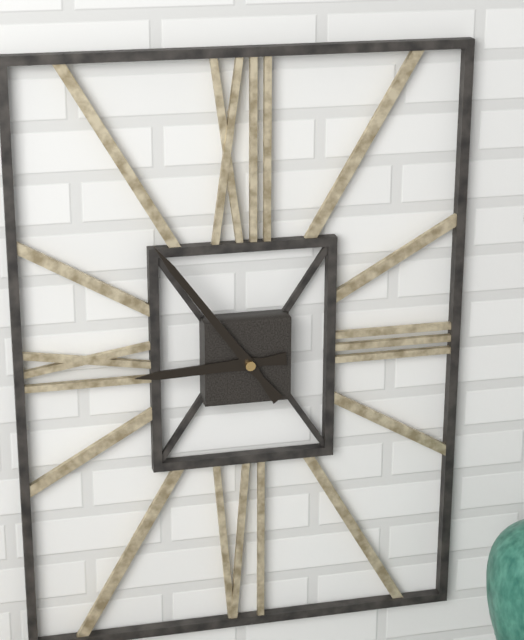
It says 8:54
